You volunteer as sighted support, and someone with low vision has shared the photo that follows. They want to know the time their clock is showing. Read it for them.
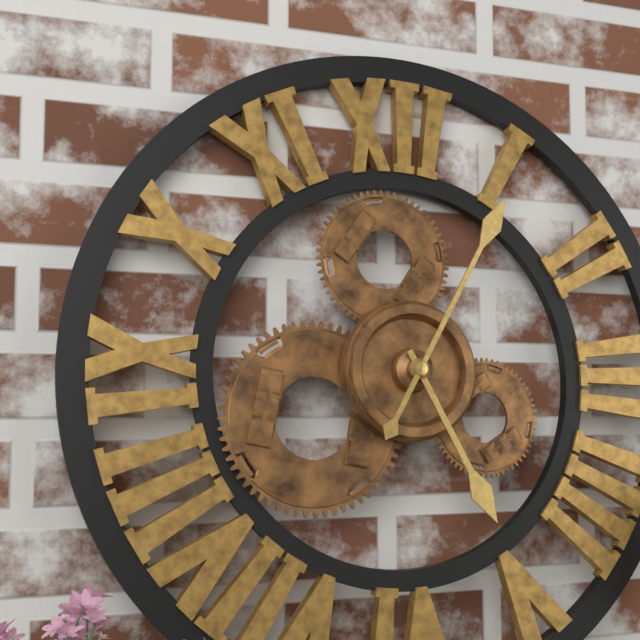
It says 5:05
